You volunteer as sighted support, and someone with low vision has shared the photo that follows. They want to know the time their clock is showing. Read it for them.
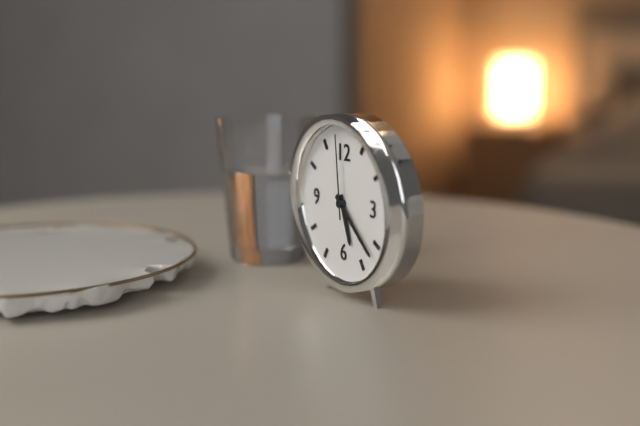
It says 5:22:59
